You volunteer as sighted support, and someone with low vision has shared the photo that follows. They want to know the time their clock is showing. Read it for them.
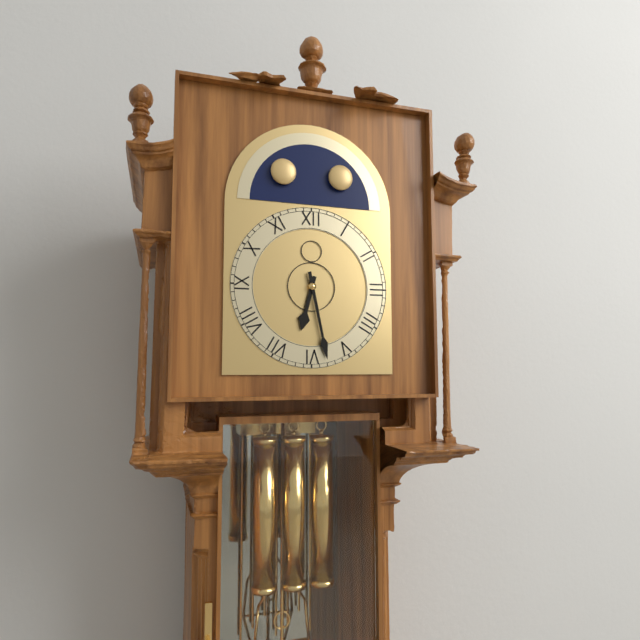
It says 6:28
